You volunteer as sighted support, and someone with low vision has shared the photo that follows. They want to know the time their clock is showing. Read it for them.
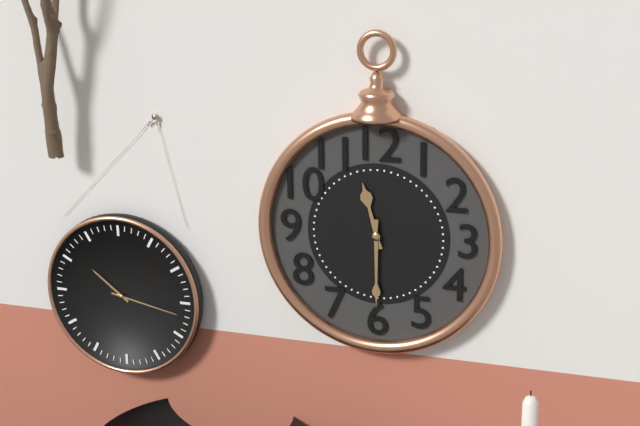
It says 11:30
